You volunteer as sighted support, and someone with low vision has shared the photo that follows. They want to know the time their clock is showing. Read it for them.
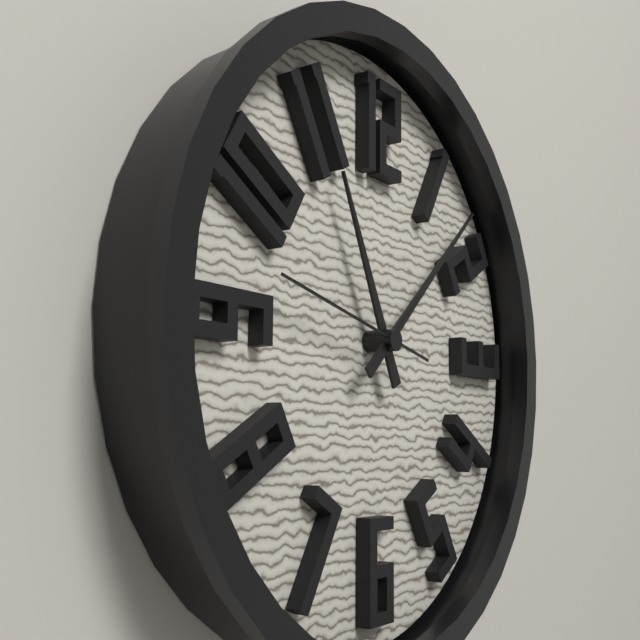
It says 11:08:47
